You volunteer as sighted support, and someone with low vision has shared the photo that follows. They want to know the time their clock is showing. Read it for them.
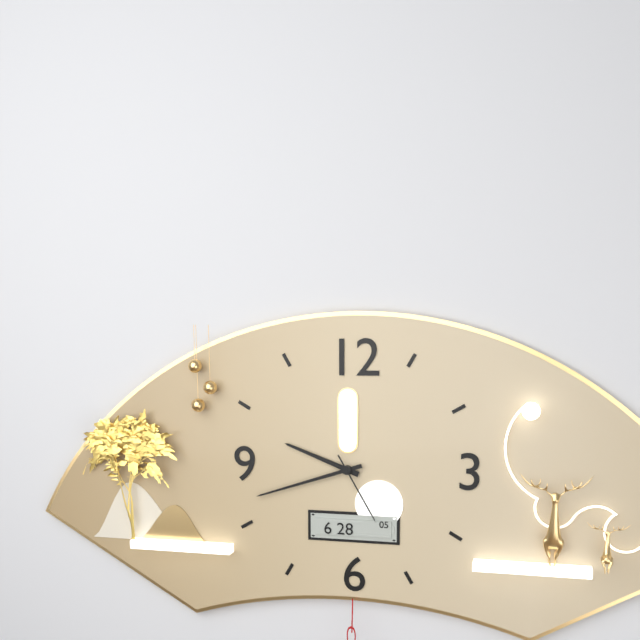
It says 9:42:25
